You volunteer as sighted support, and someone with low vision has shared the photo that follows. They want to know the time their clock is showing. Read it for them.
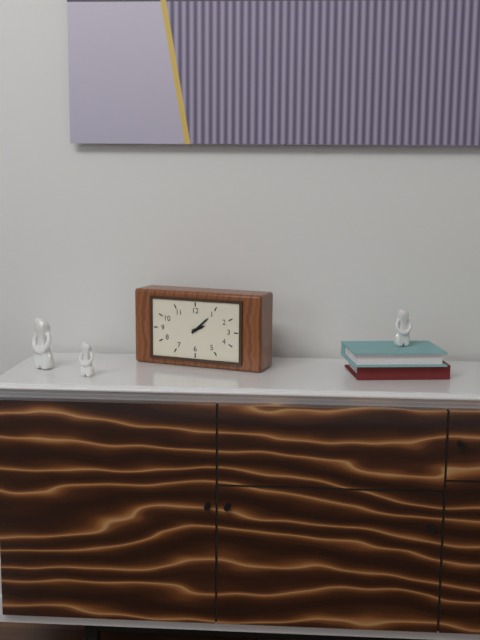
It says 2:08
